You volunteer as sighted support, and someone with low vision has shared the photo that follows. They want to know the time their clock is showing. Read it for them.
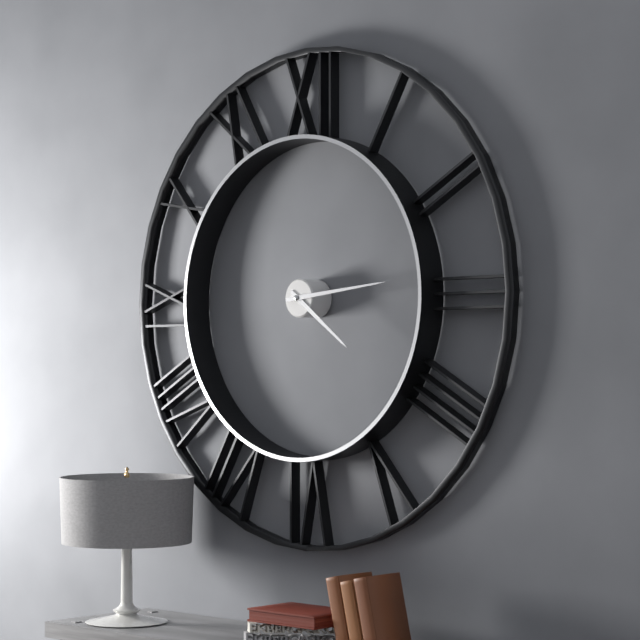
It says 4:14
